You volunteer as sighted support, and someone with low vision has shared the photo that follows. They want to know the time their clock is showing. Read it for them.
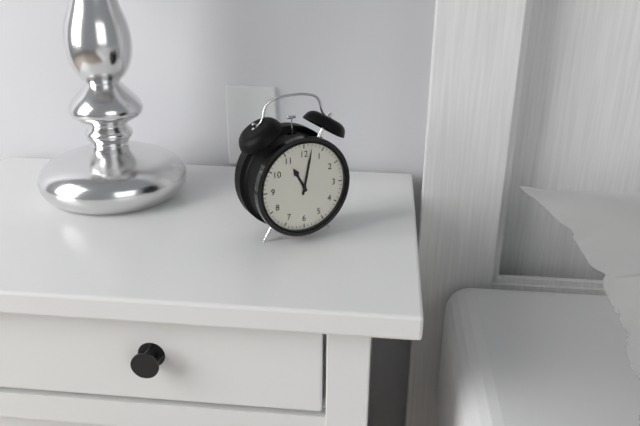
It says 11:02
